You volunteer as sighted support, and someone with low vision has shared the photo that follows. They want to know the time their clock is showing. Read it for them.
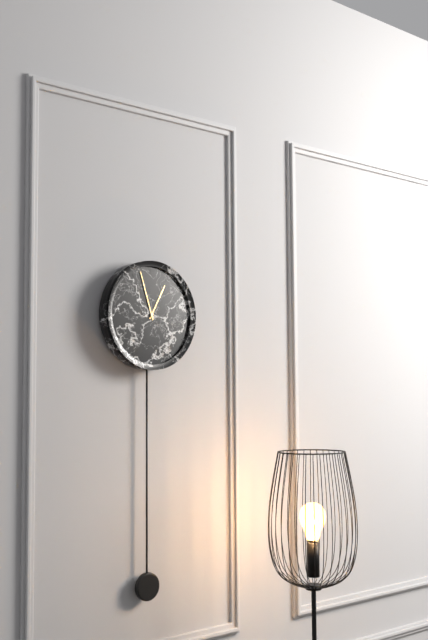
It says 12:57
